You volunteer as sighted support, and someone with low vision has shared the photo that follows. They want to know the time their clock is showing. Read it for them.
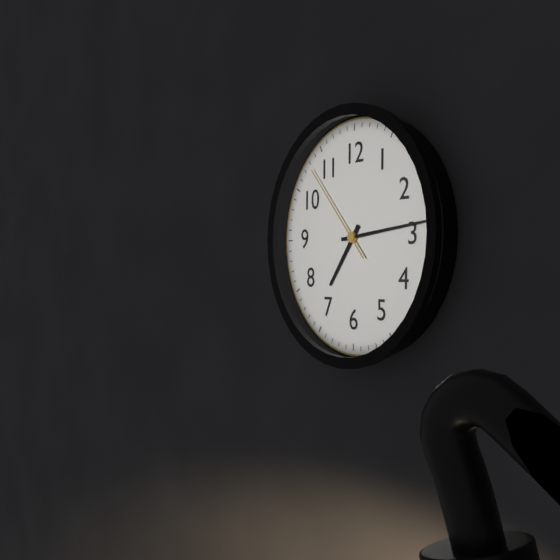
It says 7:14:53
